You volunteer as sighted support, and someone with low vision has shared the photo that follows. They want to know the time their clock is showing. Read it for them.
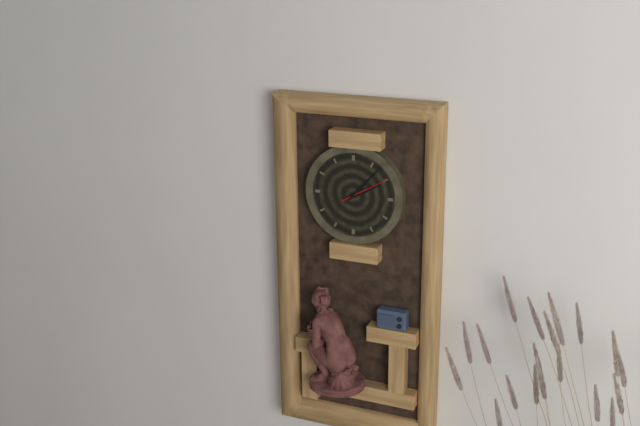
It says 2:07
